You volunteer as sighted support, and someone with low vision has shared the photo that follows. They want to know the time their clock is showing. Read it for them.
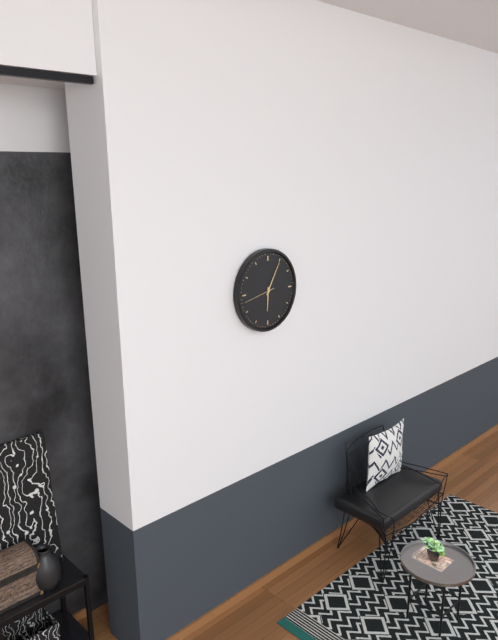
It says 6:05
